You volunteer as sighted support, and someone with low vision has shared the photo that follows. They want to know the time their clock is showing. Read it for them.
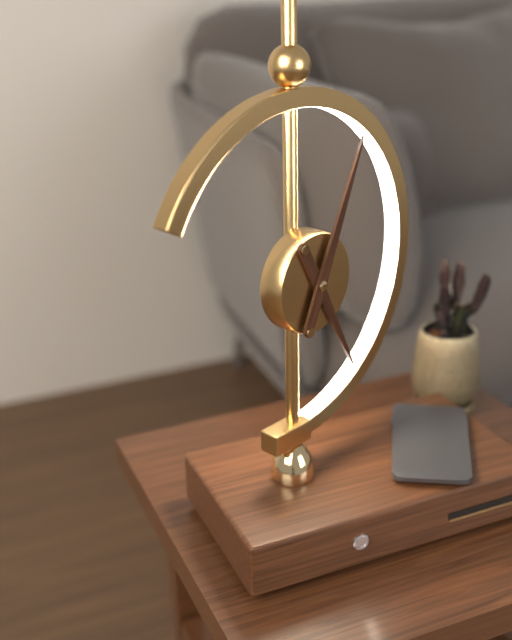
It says 5:04
